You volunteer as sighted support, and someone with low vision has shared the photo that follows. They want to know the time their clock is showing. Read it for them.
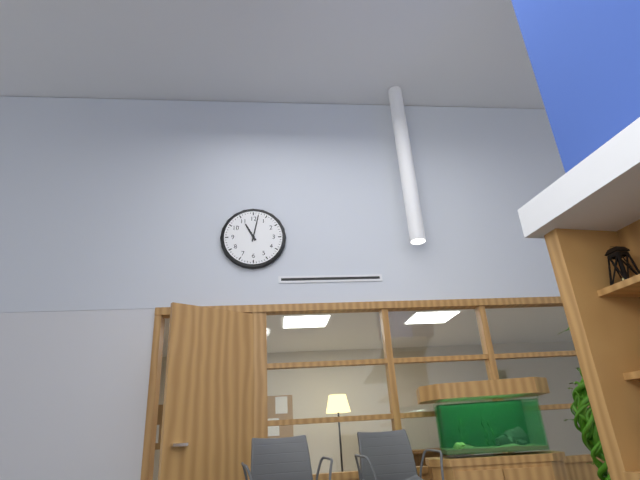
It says 11:02
